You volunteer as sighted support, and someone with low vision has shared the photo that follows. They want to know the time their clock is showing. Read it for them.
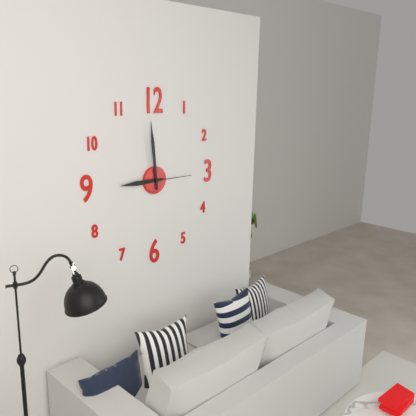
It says 8:59
